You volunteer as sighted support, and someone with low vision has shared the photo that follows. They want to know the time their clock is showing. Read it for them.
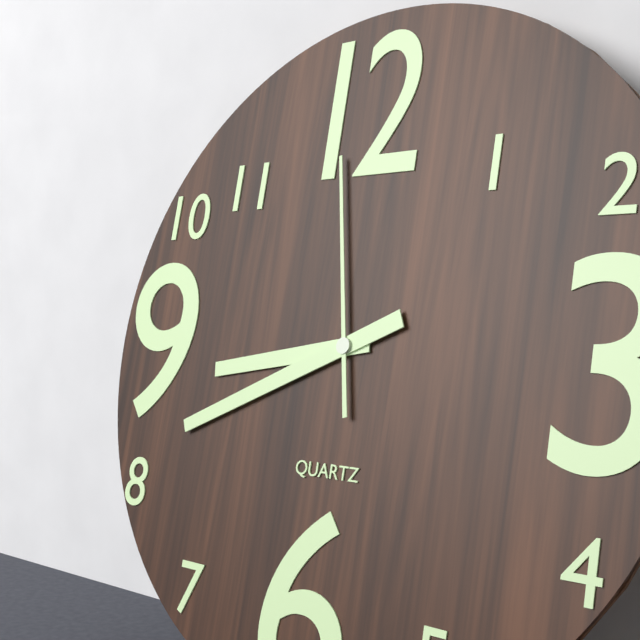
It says 8:41:58
